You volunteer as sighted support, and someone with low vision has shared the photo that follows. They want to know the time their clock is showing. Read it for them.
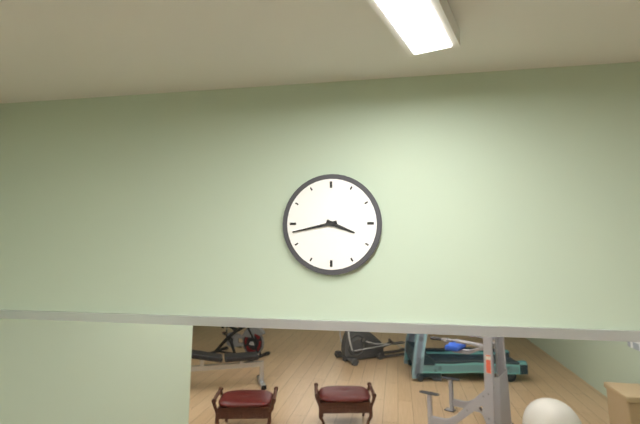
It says 3:43
